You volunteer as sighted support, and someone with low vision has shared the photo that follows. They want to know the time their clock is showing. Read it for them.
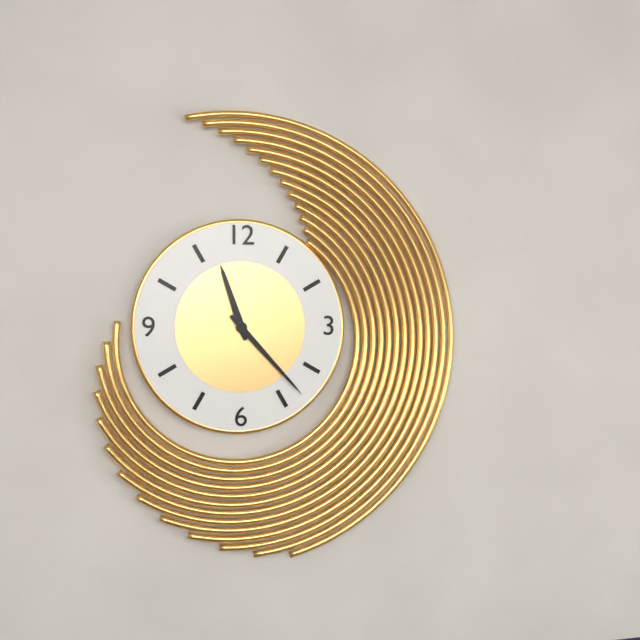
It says 11:23
